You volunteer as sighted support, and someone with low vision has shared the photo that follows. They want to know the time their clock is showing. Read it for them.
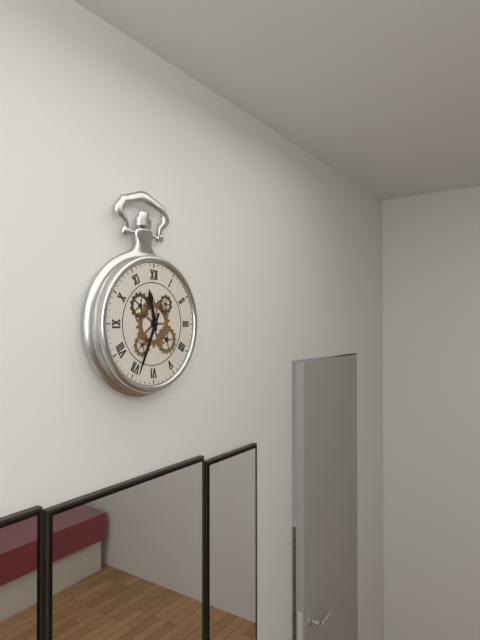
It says 11:34
